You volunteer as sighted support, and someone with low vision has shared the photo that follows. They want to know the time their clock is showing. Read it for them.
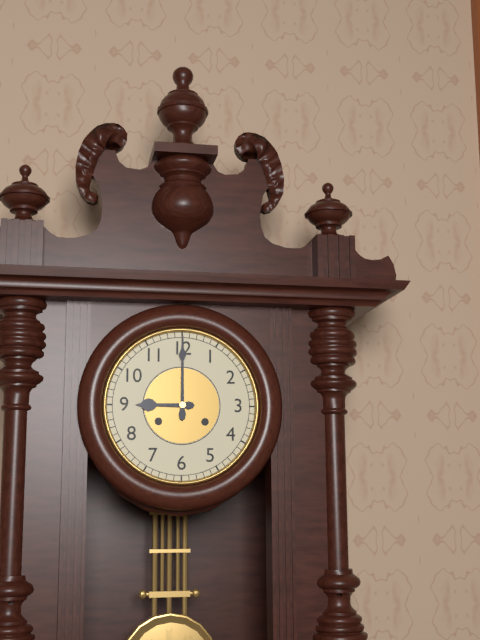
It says 9:00
